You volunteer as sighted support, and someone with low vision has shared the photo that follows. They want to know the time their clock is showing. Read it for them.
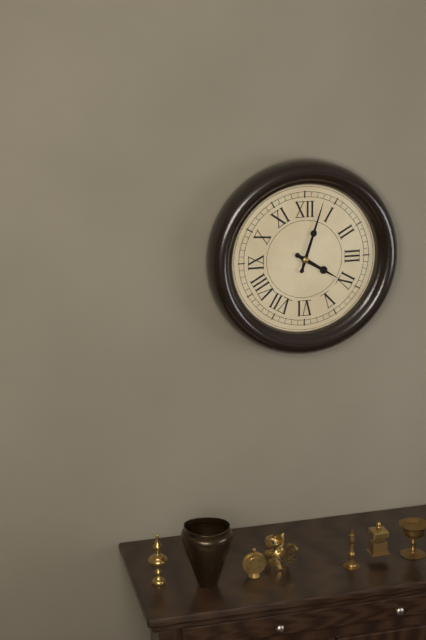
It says 4:03
